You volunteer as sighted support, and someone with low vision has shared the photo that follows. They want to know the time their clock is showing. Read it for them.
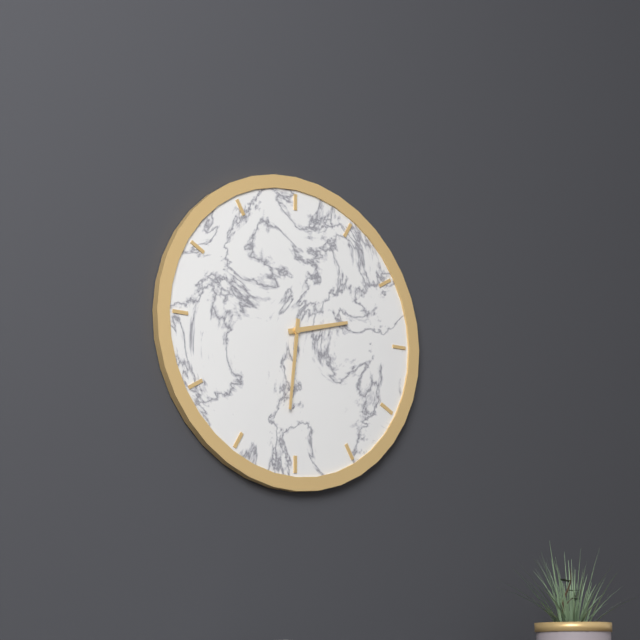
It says 2:31
